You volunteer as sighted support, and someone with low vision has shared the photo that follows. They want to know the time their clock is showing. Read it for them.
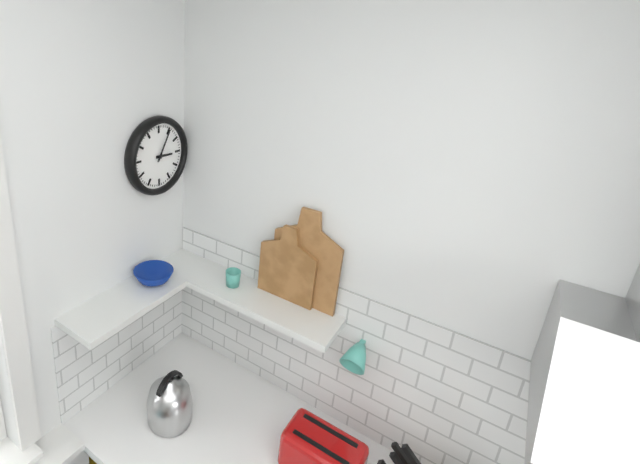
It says 3:05
